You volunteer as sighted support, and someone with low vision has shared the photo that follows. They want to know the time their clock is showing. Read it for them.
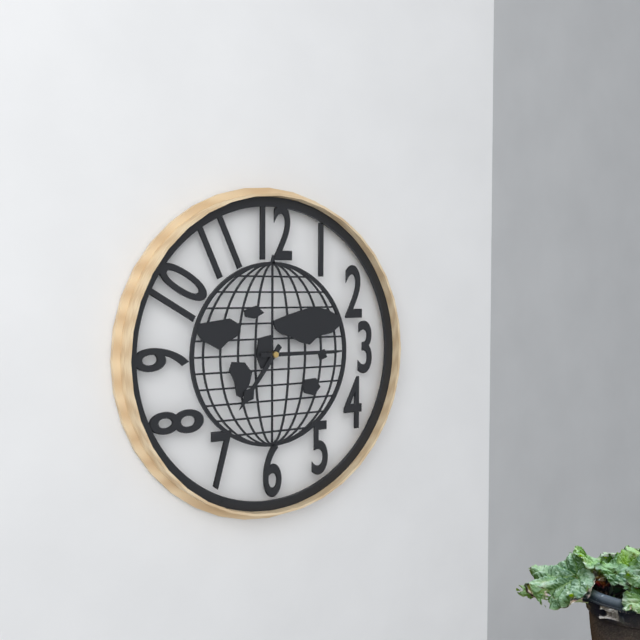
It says 7:15
